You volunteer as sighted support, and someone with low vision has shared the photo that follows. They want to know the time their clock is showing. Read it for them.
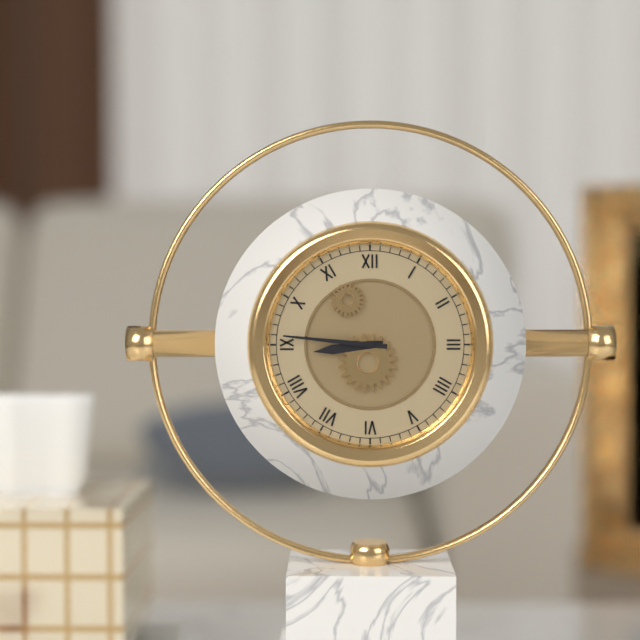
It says 8:46
